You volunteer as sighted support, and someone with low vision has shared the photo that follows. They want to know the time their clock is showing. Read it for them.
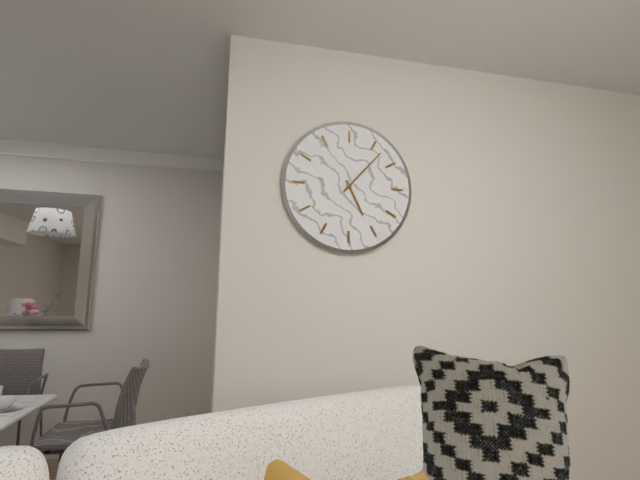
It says 5:07
